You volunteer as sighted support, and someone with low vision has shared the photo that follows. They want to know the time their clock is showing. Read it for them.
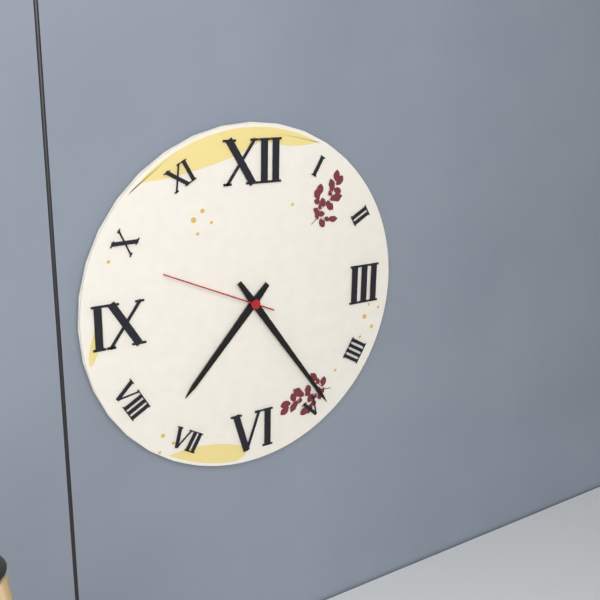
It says 7:24:49
